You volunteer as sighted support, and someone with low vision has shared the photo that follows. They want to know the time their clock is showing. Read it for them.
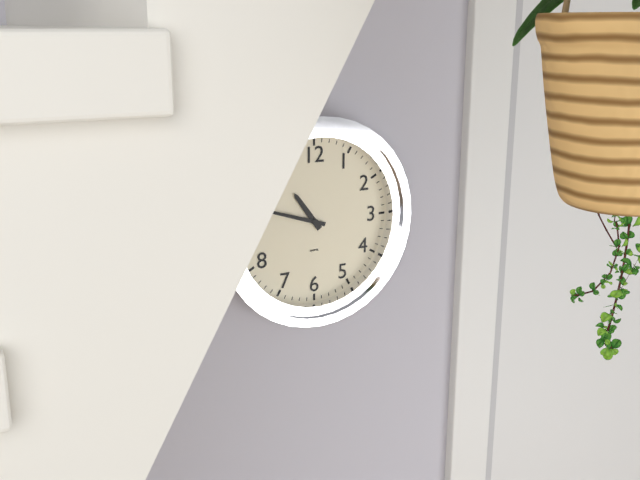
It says 10:48
